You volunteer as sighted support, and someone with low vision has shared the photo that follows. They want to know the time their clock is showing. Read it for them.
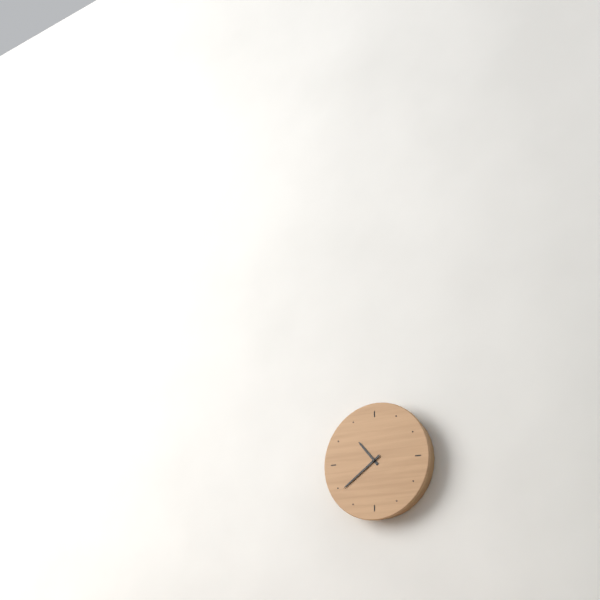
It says 10:39
